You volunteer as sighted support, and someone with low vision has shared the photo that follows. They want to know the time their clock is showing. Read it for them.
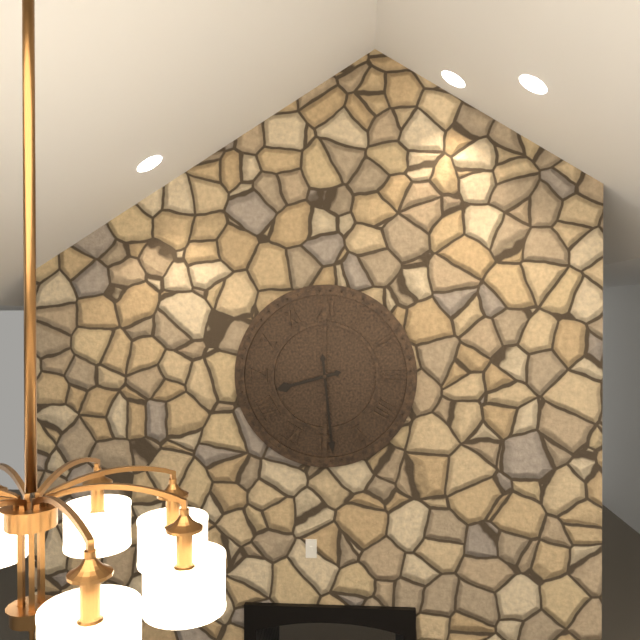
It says 8:29
